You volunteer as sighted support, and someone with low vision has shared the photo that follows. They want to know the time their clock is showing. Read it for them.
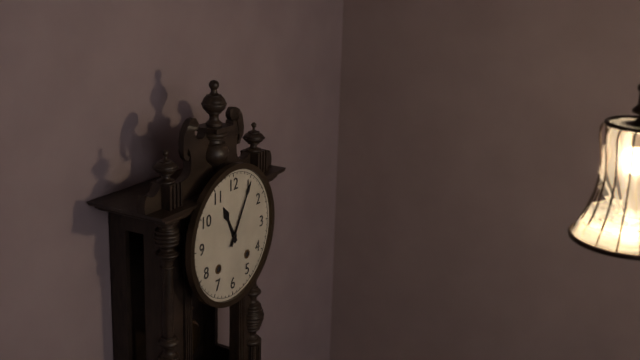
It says 11:05
